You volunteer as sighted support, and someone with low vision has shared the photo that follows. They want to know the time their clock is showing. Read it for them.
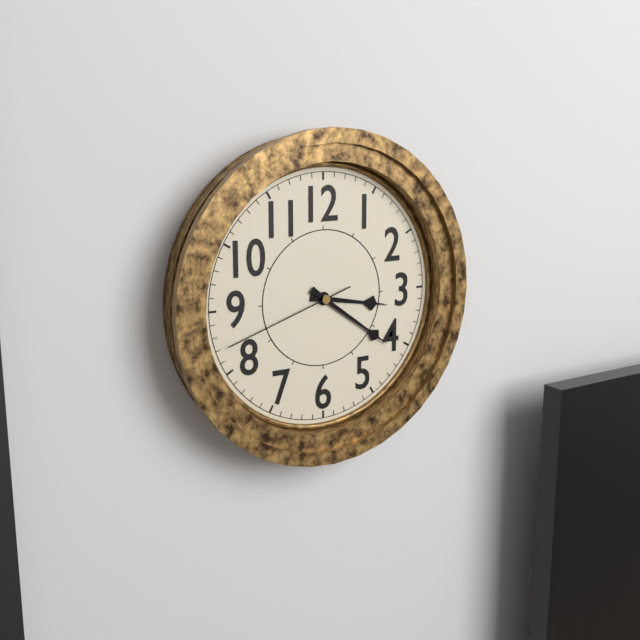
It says 3:21:42
